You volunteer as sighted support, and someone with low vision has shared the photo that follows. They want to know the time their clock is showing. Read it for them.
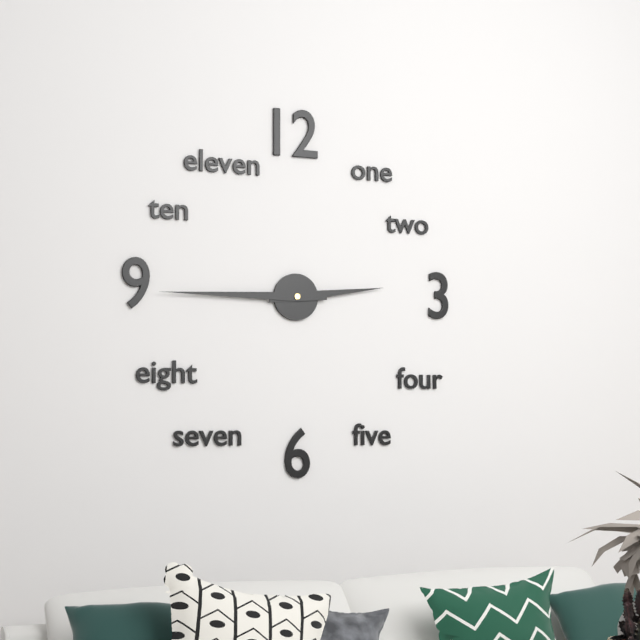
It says 2:45
